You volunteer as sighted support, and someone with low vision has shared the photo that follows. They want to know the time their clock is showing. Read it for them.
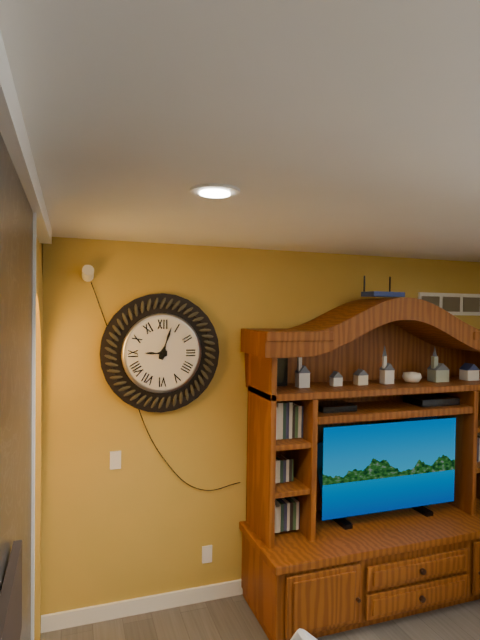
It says 9:03
